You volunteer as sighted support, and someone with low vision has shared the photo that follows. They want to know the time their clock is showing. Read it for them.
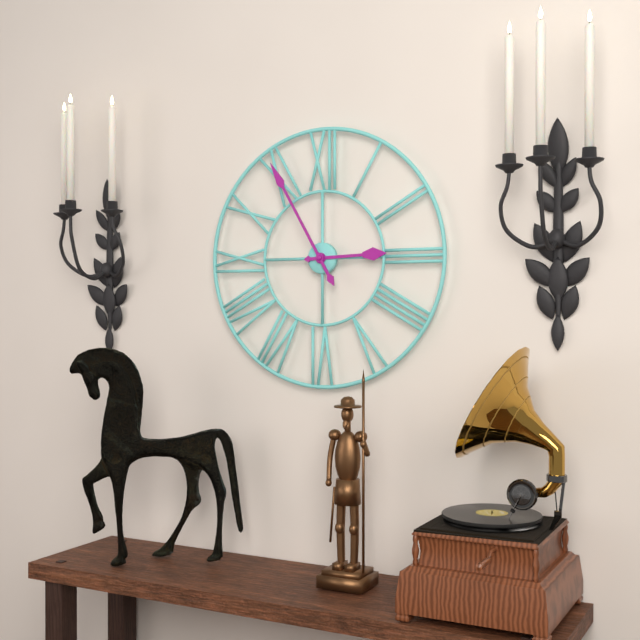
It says 2:55
